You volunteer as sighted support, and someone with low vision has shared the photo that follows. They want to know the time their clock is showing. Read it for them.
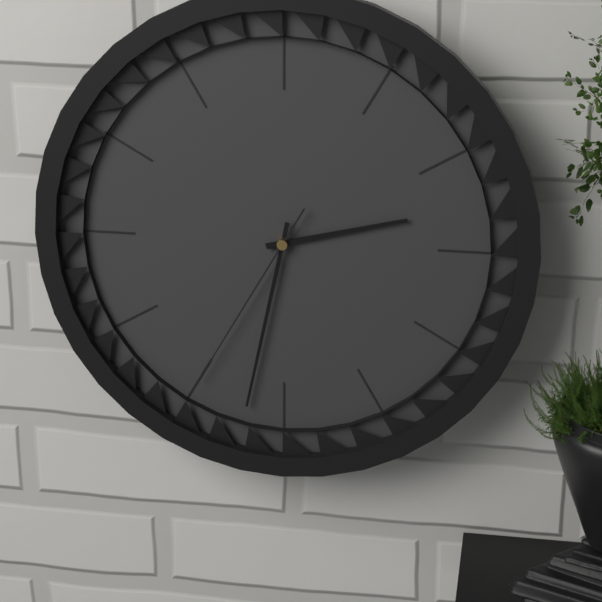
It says 2:32:35
